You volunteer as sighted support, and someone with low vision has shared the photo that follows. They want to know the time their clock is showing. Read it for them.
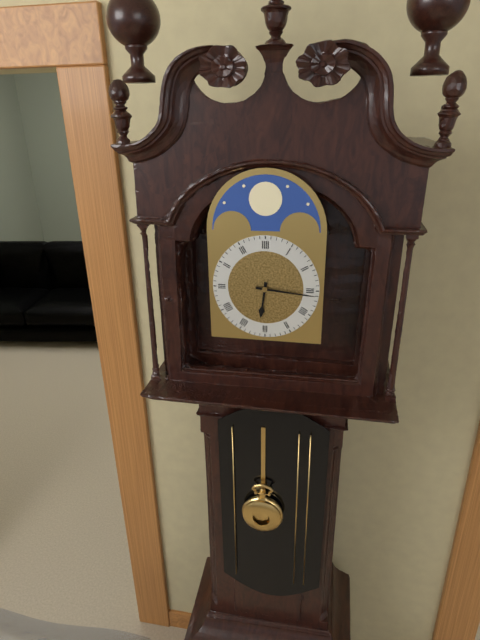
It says 6:16
